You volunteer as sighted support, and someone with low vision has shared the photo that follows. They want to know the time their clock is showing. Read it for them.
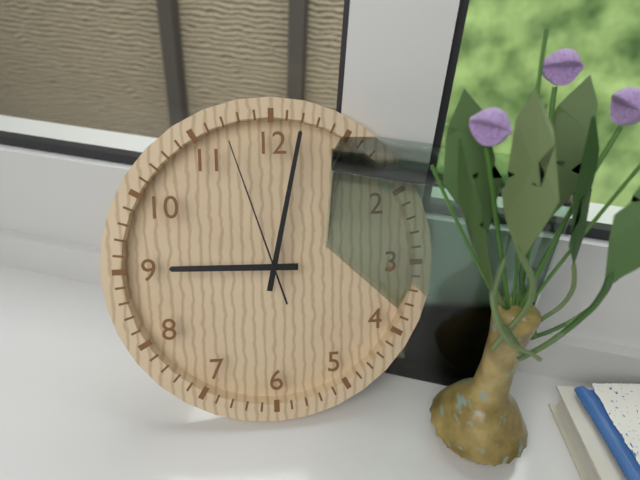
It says 9:02:57
